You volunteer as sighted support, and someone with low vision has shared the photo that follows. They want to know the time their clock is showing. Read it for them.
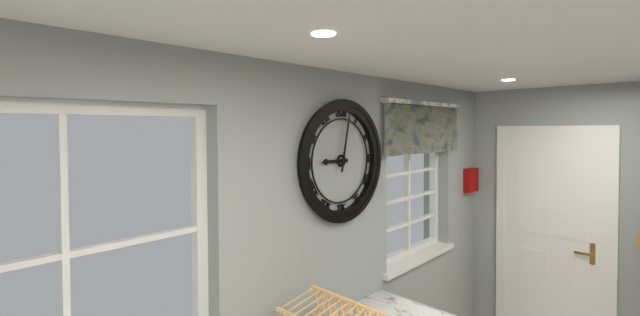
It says 9:02
